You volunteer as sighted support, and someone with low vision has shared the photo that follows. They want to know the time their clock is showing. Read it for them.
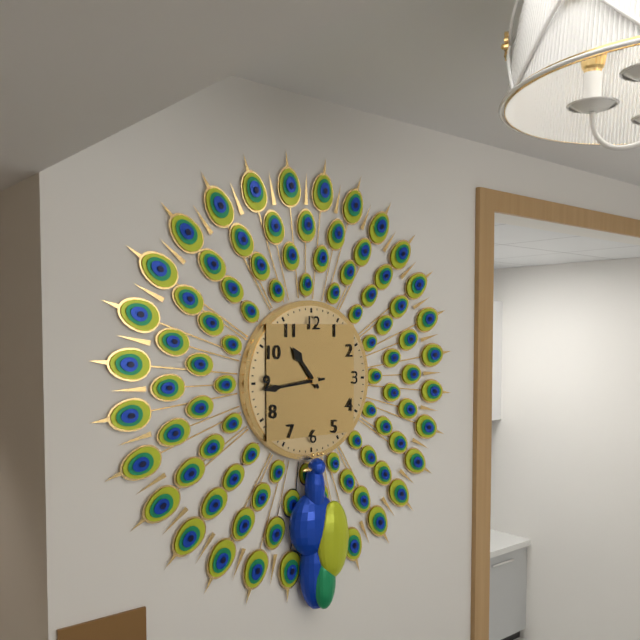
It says 10:44
